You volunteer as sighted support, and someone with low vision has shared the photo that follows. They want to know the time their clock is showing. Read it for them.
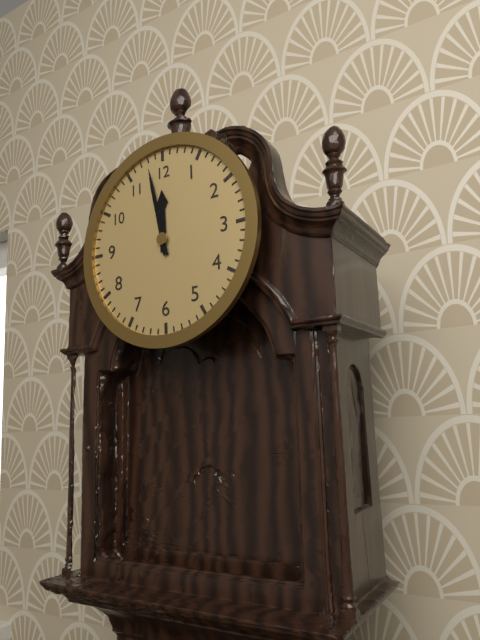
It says 11:58
